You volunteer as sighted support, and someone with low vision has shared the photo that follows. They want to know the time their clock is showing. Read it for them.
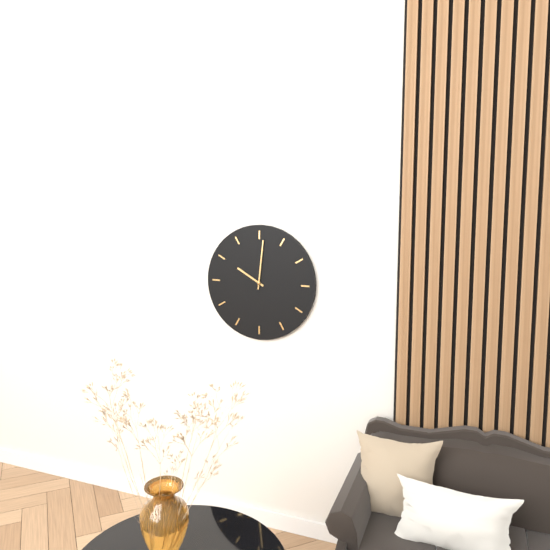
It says 10:01
